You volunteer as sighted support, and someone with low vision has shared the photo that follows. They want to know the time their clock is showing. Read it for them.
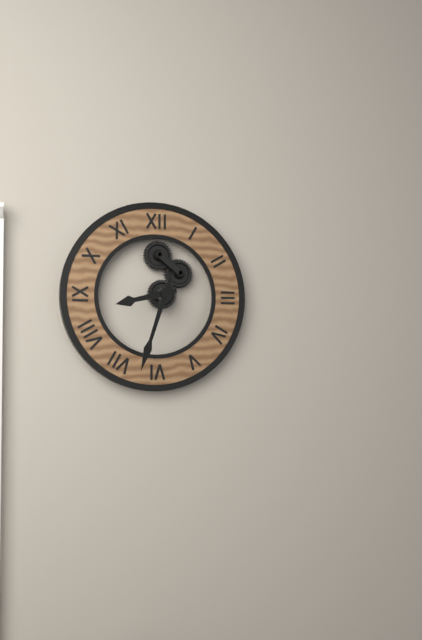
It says 8:33
